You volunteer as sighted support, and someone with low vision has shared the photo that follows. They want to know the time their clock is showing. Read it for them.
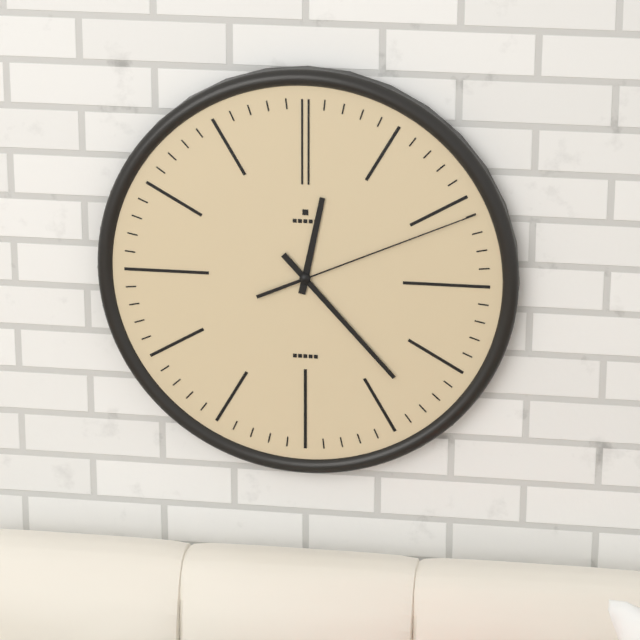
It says 12:23:11
